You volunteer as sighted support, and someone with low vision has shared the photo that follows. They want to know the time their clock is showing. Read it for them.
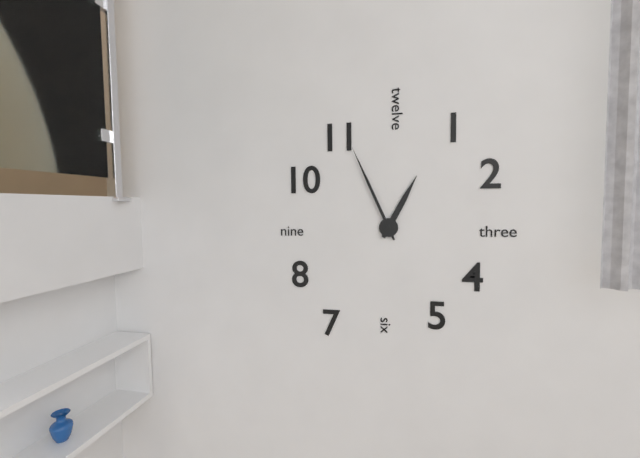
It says 12:56
